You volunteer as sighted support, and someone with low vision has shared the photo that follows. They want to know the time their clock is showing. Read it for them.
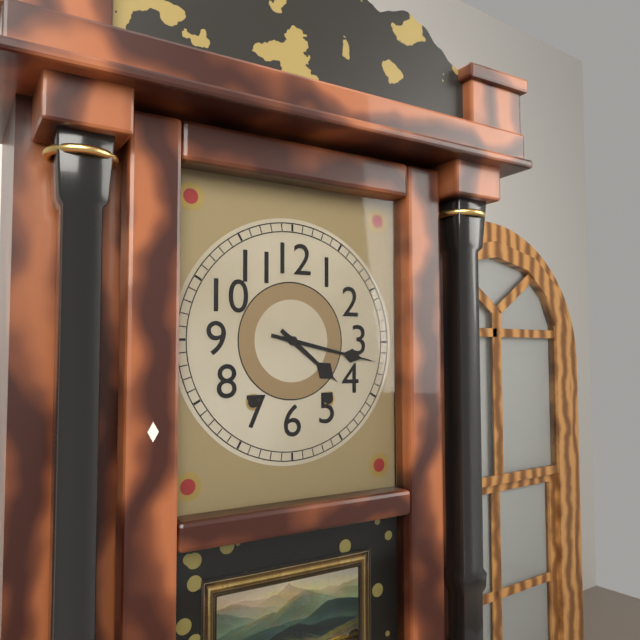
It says 4:17
